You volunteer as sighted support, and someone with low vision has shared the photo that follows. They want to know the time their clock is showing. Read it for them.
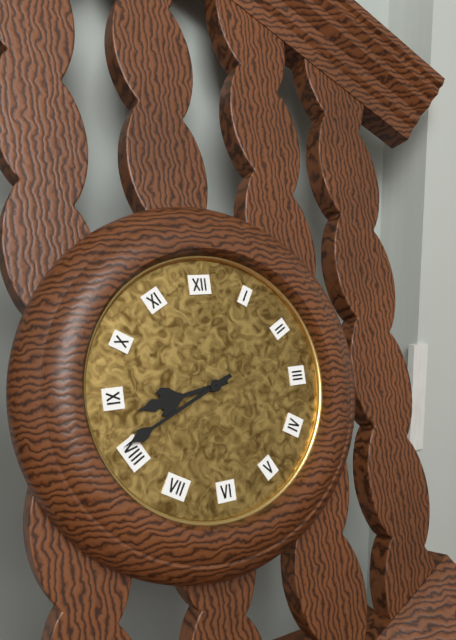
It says 8:41
